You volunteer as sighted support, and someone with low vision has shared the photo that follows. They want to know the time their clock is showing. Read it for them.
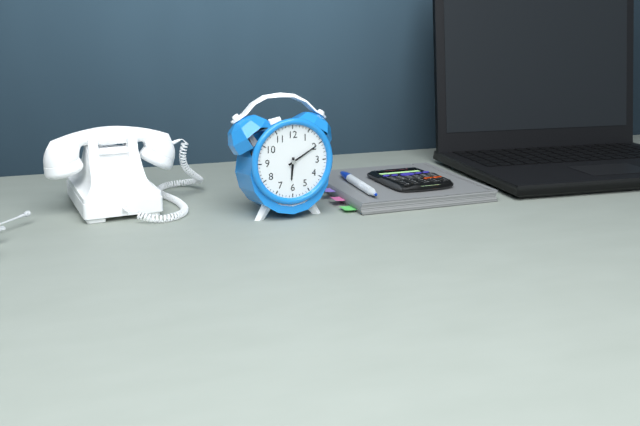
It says 6:10
